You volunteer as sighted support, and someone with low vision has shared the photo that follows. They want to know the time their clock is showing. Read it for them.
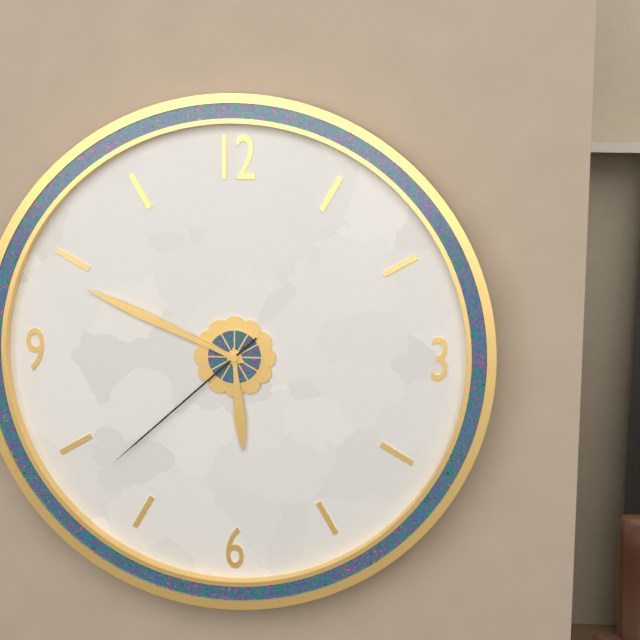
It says 5:49:38
